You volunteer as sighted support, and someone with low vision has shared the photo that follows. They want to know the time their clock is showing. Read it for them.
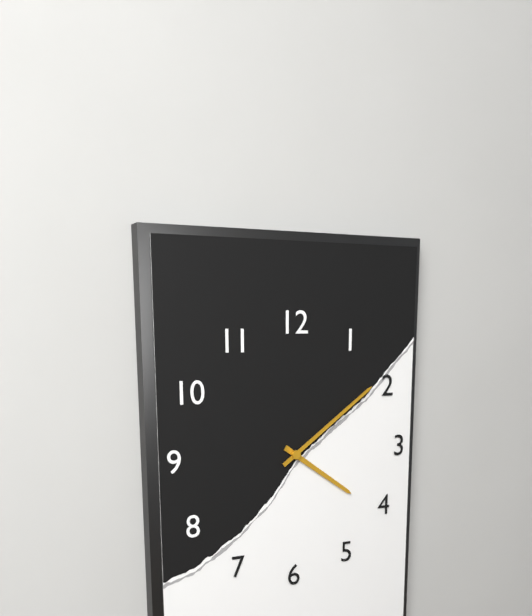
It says 4:09
